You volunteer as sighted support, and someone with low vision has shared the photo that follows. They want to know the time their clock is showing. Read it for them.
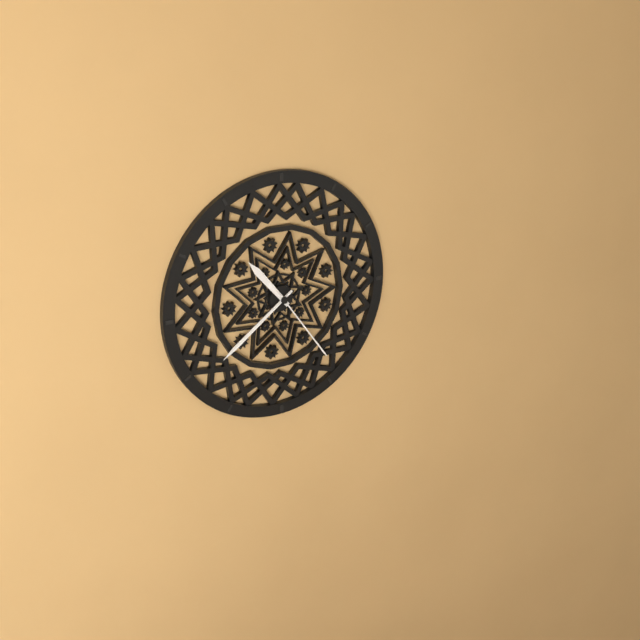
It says 10:39:24
